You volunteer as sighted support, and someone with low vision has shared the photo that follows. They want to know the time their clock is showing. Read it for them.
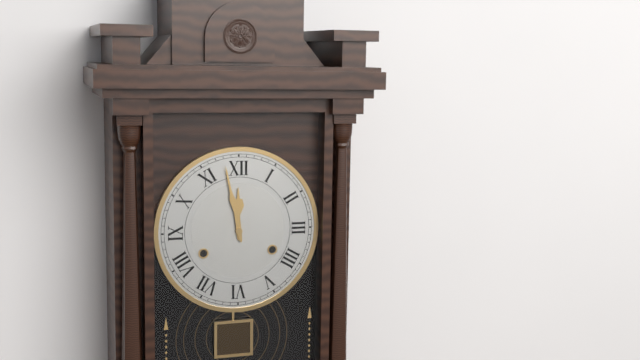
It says 11:58
